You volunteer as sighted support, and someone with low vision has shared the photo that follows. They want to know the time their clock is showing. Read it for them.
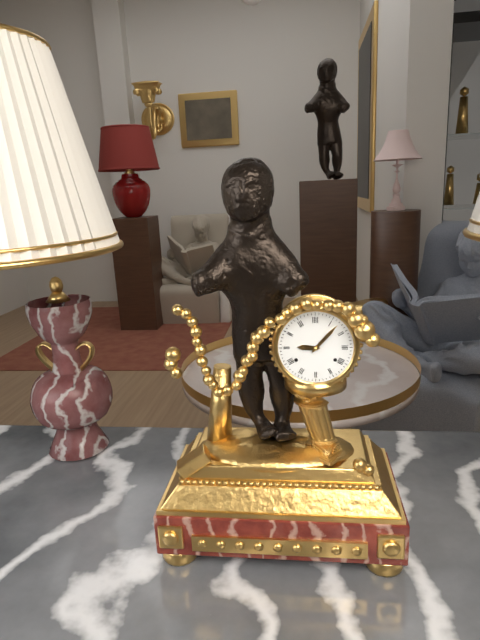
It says 9:07
